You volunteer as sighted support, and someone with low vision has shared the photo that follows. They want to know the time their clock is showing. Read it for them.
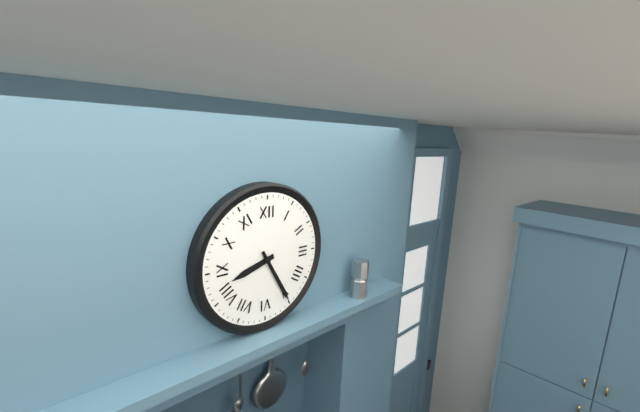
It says 8:25
